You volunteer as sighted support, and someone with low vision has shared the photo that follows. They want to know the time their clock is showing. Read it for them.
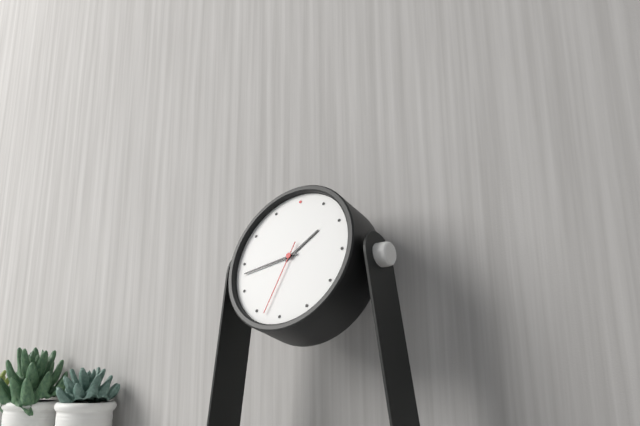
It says 1:43:33
